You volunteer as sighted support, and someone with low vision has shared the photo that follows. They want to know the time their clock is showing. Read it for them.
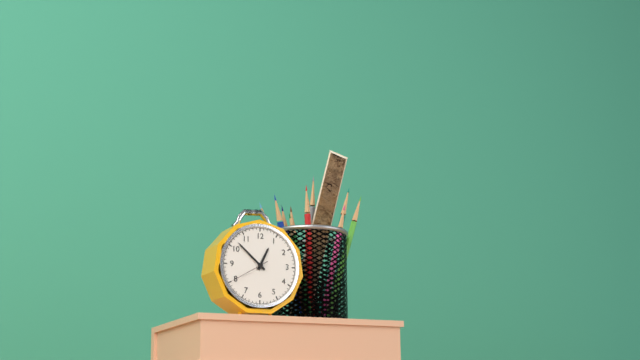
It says 12:52
